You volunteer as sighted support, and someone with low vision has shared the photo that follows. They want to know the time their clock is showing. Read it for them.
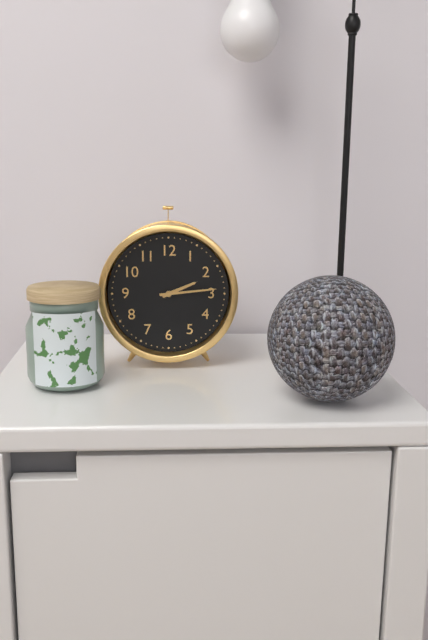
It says 2:14
